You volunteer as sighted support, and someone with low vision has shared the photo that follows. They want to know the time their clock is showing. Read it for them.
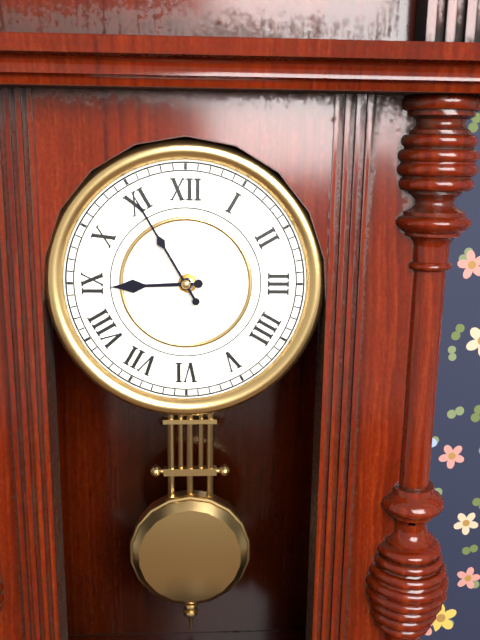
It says 8:55
